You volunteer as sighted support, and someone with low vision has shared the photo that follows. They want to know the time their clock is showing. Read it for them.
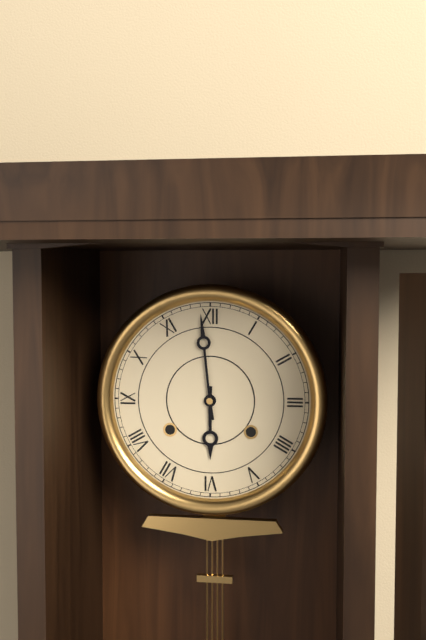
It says 5:59
